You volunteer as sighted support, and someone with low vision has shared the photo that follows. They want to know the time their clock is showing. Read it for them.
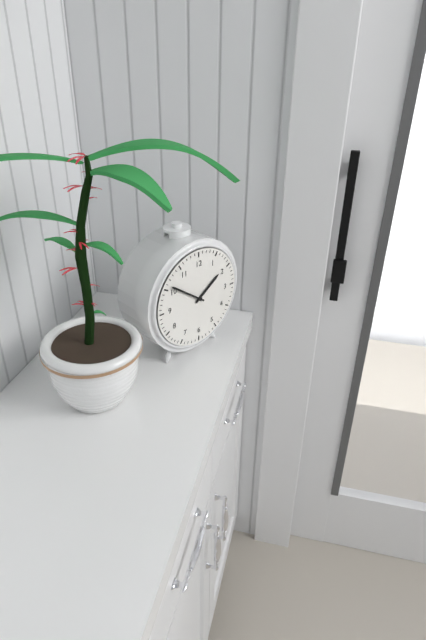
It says 1:51
